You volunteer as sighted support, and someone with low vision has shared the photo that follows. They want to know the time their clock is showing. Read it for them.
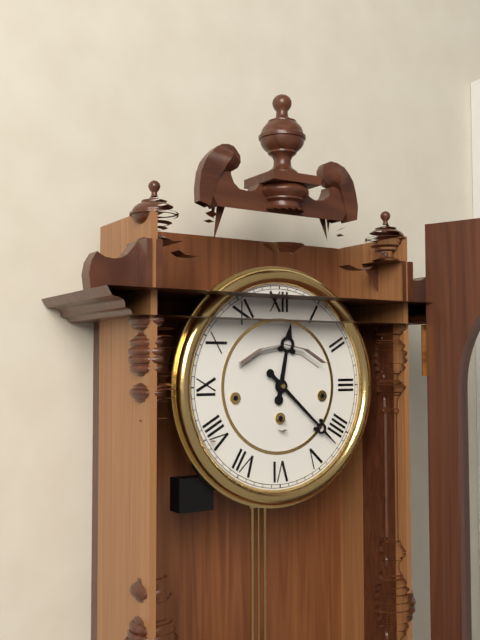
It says 12:22
